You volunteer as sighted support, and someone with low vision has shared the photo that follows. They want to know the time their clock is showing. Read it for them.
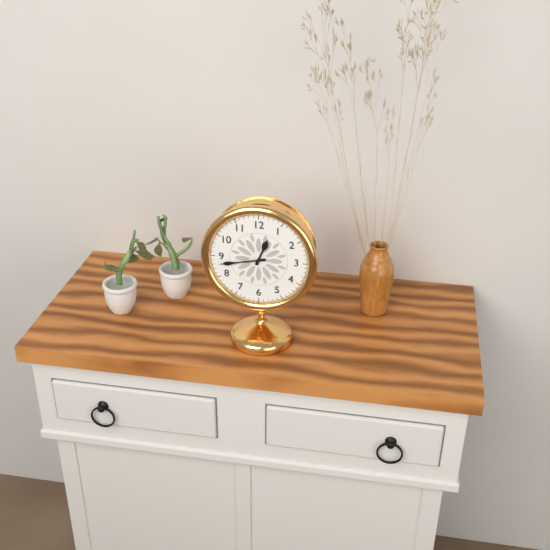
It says 12:43
